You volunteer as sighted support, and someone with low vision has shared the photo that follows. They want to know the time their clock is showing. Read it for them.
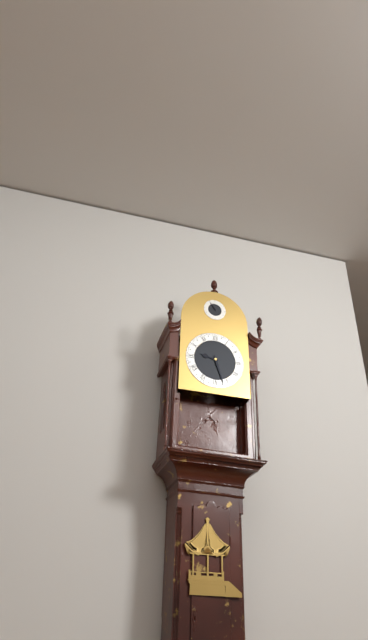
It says 9:27
